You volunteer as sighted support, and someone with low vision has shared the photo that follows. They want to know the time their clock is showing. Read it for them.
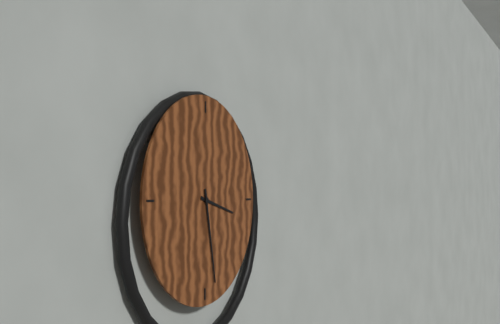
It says 3:28
